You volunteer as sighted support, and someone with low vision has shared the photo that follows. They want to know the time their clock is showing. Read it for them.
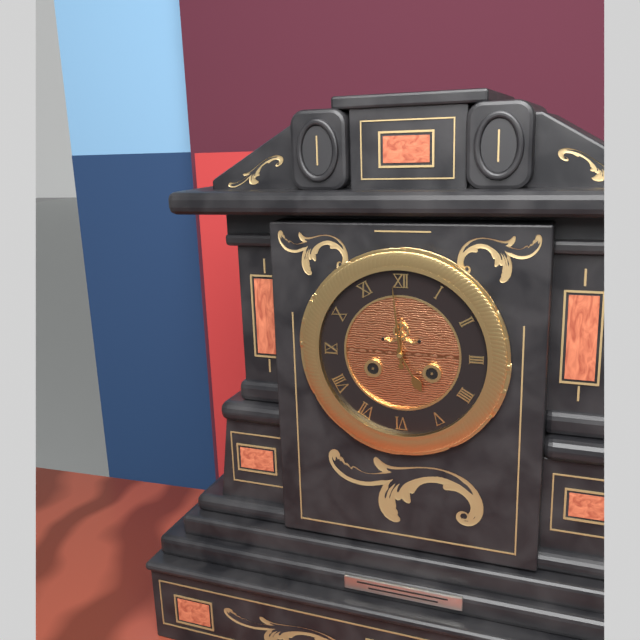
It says 4:59
